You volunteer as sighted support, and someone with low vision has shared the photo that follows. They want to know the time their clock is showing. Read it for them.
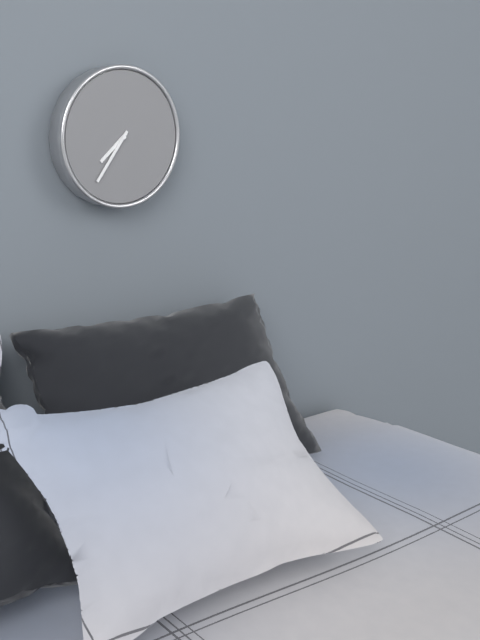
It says 7:36
